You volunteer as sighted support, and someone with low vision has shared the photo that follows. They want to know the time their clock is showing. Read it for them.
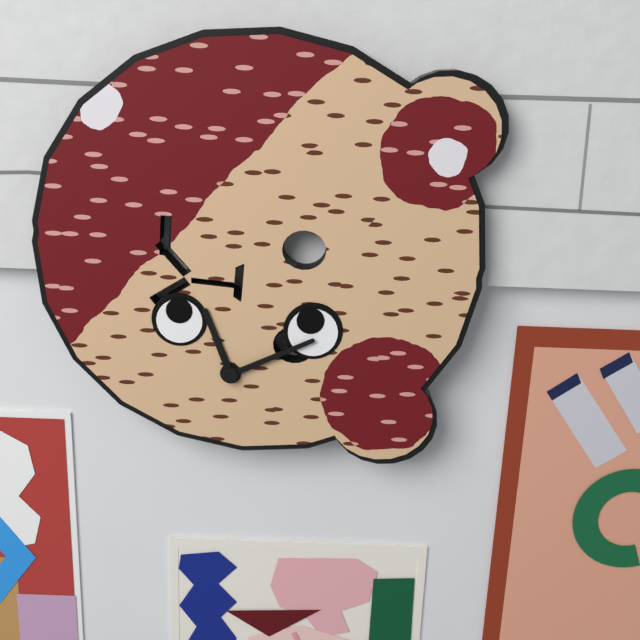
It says 11:10
